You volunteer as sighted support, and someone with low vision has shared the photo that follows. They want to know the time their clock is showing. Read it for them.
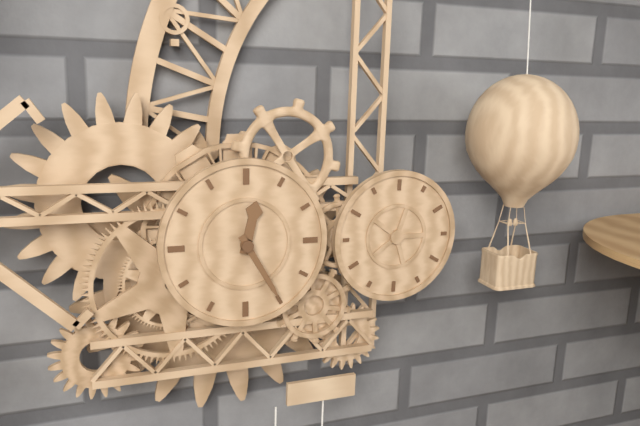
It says 12:25
